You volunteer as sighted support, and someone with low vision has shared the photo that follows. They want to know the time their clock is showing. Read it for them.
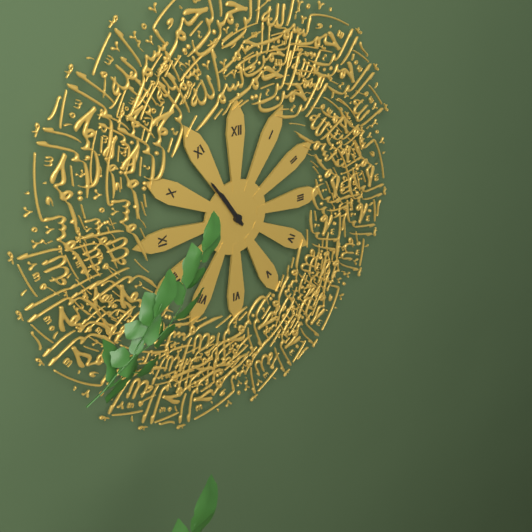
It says 10:54
